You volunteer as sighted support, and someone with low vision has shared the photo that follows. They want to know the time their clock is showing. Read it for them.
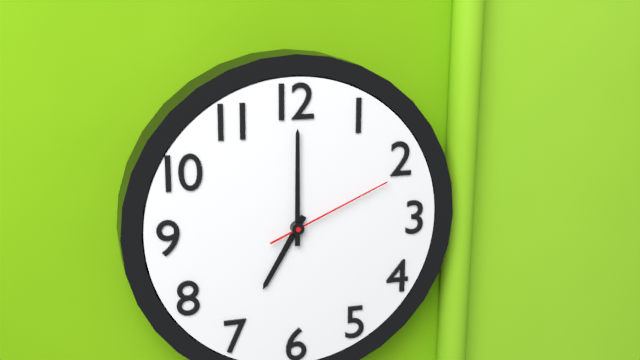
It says 7:00:11
